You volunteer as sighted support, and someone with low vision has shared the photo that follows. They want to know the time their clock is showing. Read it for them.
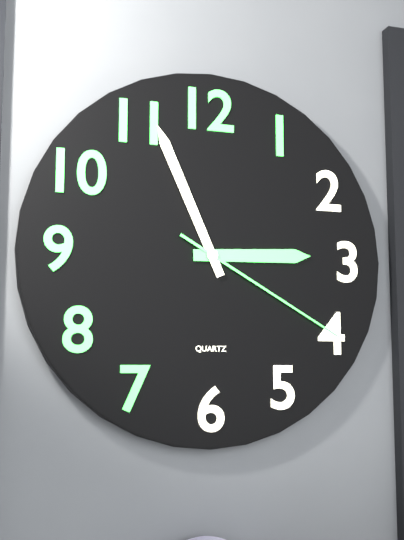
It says 2:56:20
